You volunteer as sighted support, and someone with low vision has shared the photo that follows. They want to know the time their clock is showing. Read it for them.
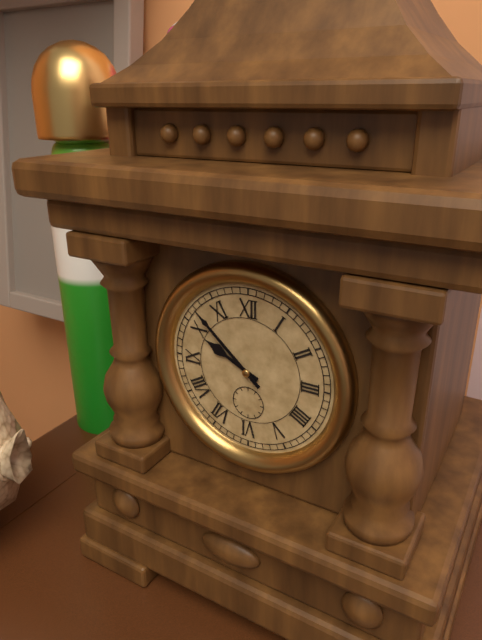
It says 9:52
